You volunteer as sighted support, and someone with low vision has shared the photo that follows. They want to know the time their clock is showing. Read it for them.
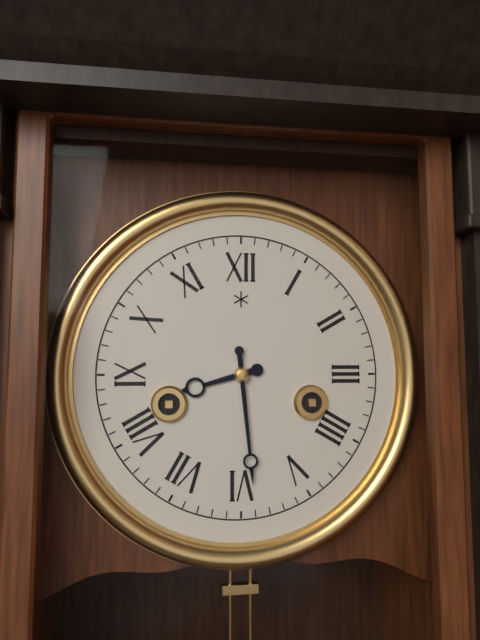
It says 8:29
